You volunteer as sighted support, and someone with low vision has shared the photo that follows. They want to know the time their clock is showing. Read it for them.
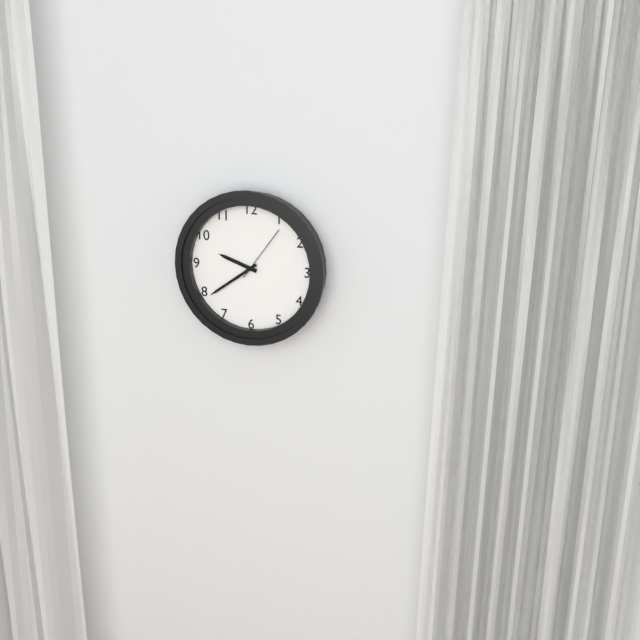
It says 9:39:06
